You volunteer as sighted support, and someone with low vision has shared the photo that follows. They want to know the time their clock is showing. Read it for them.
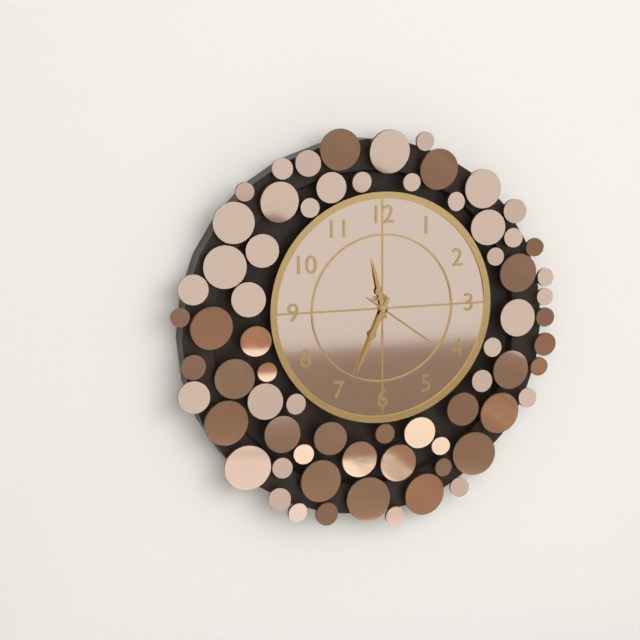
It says 11:34:21
